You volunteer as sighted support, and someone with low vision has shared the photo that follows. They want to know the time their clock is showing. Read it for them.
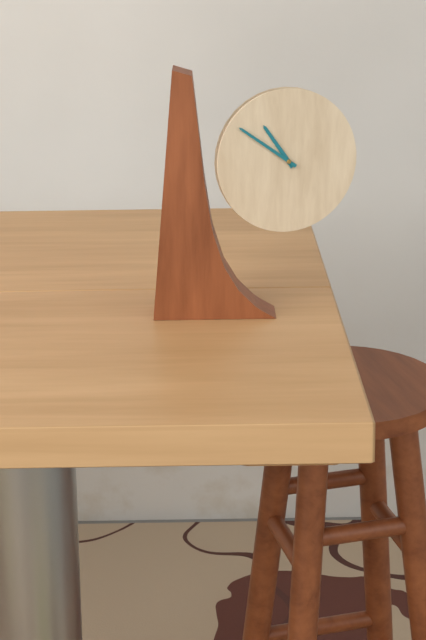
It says 10:51
